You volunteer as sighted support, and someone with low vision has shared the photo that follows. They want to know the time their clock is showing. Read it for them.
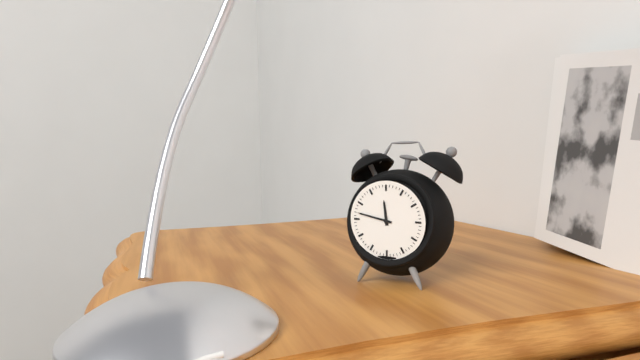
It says 11:47
